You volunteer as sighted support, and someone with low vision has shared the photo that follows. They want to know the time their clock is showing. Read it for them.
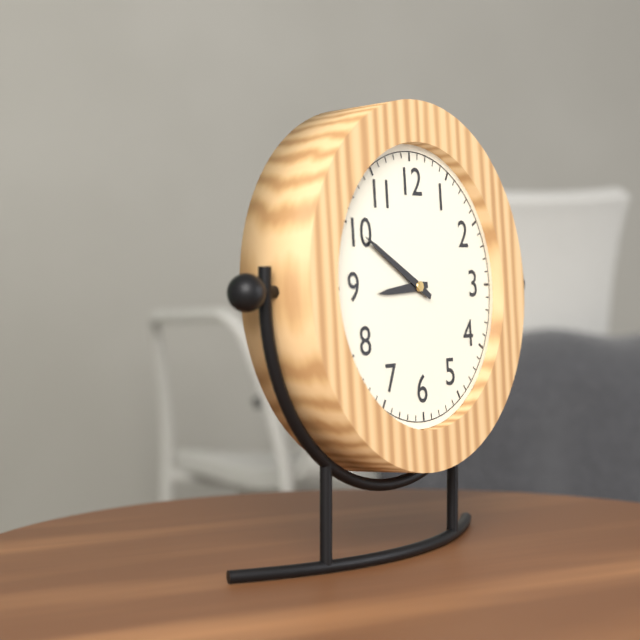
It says 8:50
